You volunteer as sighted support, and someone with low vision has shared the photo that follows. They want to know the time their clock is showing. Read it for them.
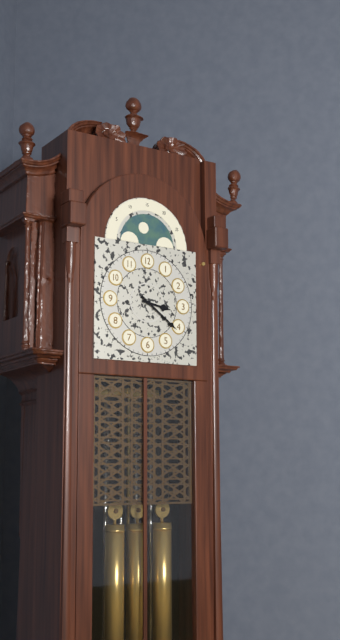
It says 3:21
